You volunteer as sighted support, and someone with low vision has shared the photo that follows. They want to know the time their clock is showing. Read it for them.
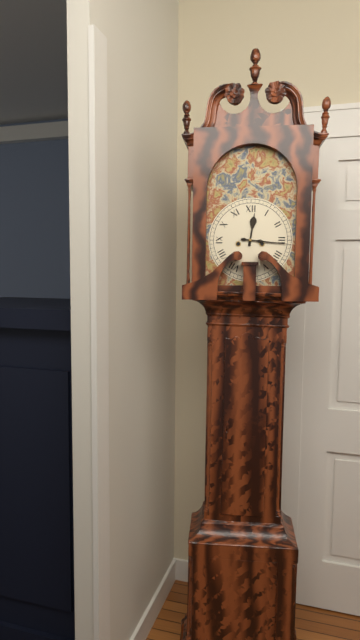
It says 12:16
